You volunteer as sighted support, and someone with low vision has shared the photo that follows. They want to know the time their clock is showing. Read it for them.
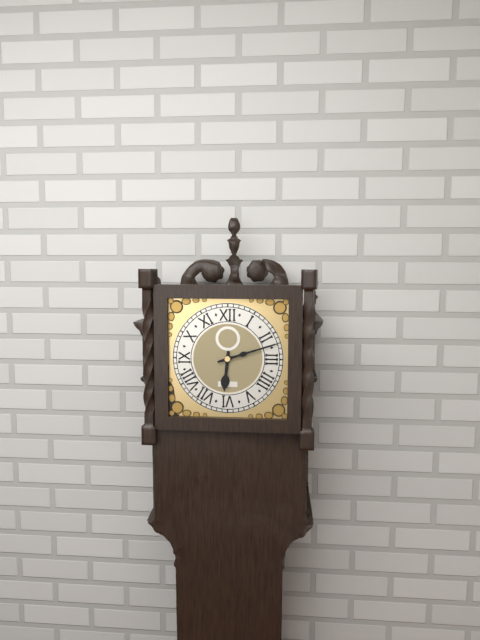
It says 6:12
